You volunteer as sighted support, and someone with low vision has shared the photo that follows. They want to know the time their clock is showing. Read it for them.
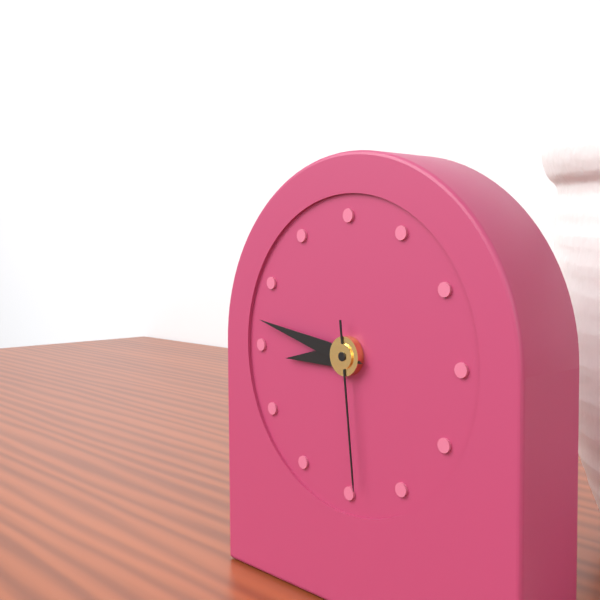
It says 8:47:29
